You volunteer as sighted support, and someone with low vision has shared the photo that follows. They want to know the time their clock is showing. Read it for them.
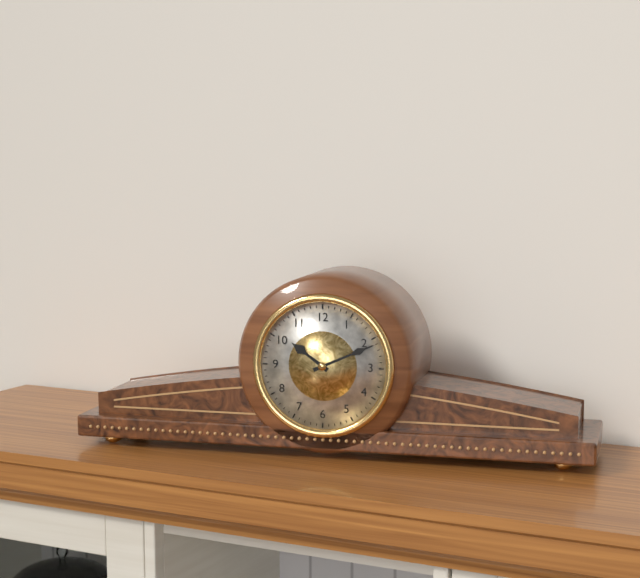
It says 10:11
